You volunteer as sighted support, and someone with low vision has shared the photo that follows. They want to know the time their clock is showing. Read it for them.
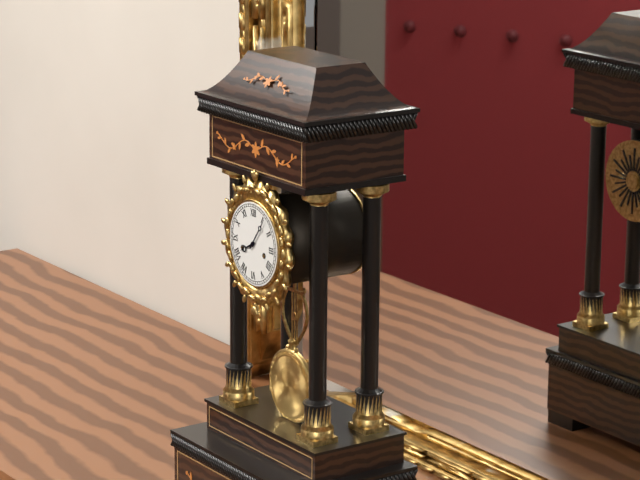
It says 8:06
